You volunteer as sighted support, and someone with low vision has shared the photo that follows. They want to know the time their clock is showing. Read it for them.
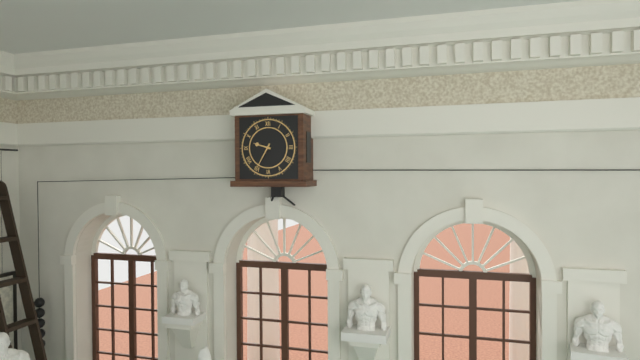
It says 9:35
